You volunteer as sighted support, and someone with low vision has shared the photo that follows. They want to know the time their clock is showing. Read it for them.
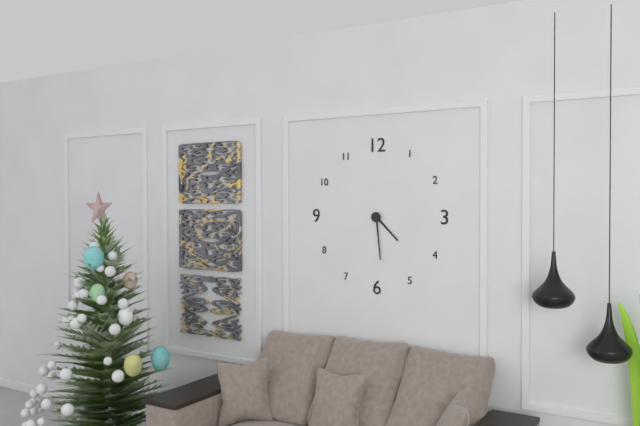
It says 4:29
